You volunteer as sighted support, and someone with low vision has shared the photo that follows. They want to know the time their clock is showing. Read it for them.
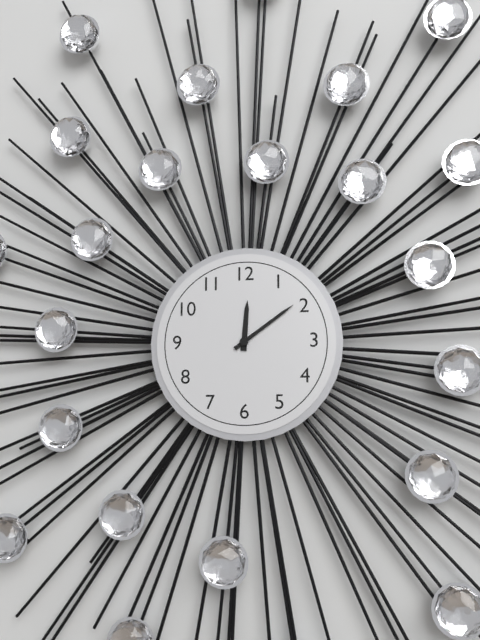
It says 12:09
